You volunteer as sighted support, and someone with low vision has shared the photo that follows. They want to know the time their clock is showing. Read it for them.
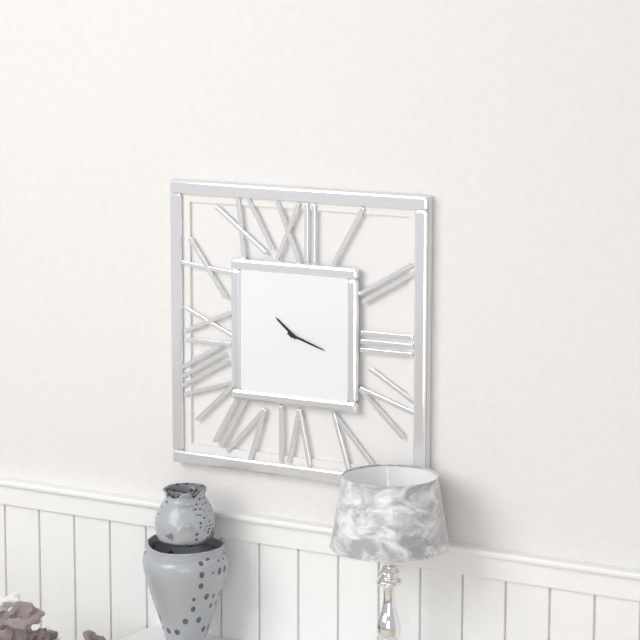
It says 10:18
